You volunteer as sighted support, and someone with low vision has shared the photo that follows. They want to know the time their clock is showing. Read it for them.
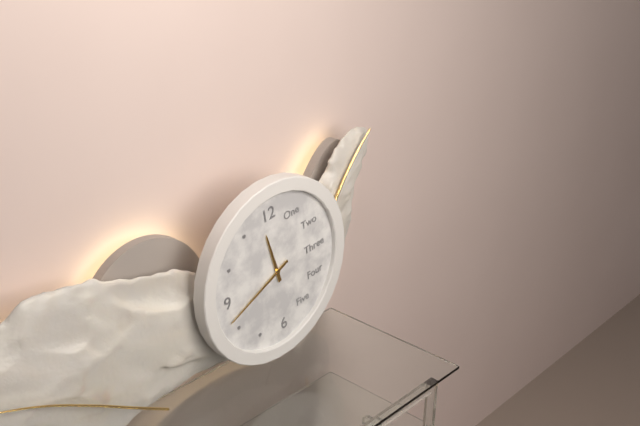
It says 11:42
